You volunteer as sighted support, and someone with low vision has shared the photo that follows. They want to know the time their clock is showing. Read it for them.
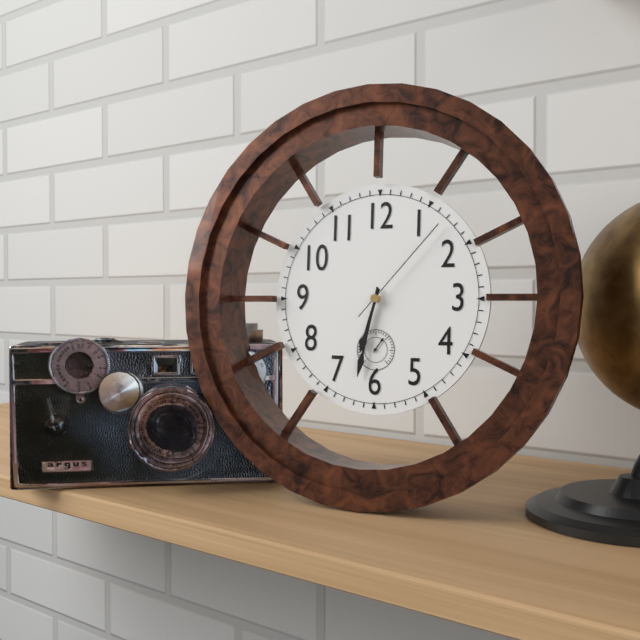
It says 6:32:07
